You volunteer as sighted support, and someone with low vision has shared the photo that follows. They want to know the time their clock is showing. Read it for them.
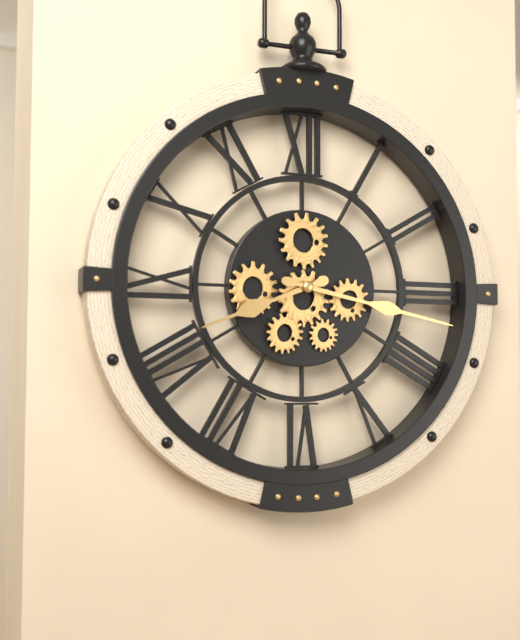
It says 8:17
